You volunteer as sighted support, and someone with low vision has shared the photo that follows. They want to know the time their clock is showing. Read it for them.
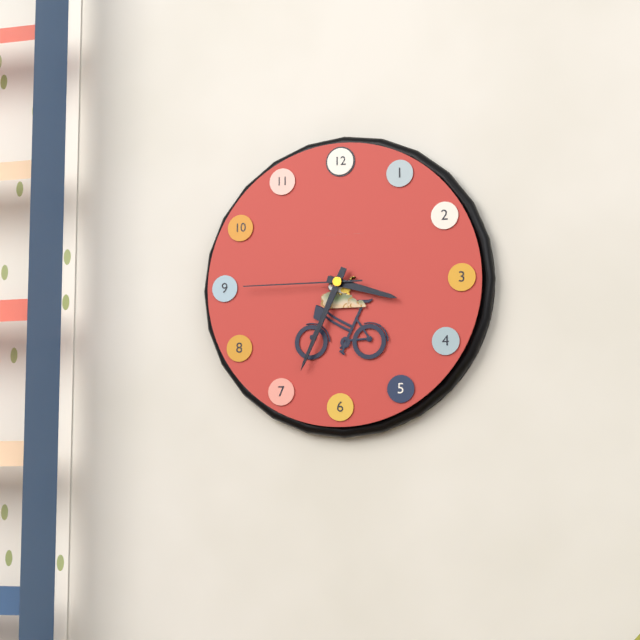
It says 3:34:45
